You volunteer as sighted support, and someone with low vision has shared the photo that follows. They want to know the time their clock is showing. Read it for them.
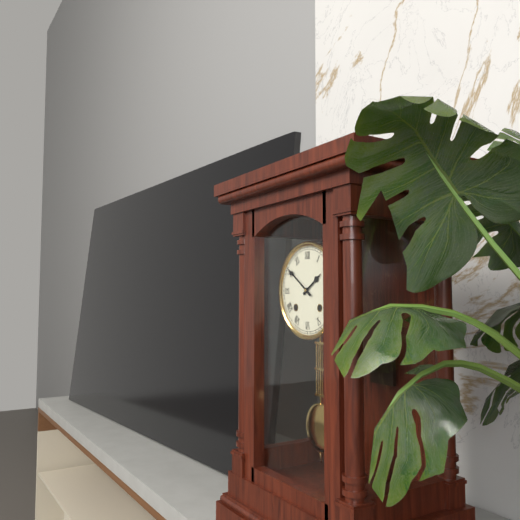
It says 1:51
